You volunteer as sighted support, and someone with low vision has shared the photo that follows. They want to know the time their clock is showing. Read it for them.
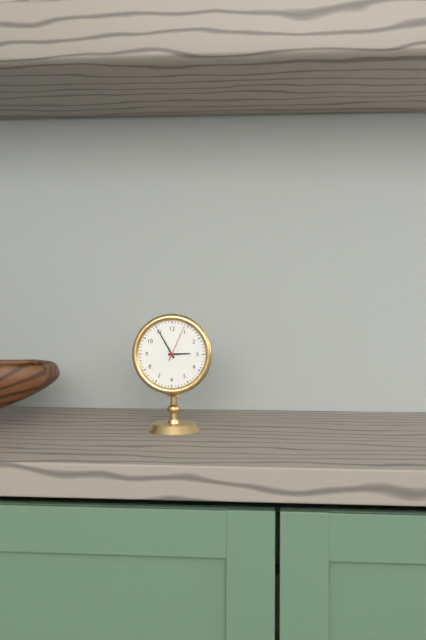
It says 2:55
